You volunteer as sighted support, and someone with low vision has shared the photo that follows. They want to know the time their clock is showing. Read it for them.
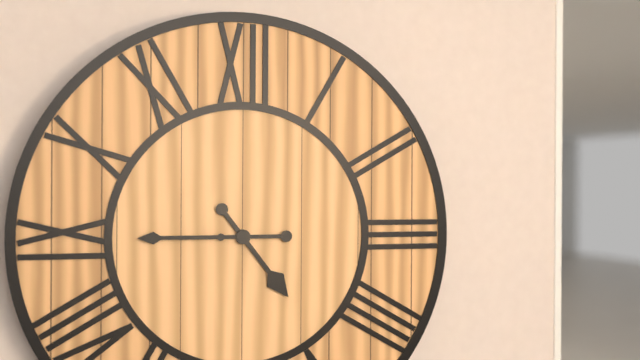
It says 4:45
